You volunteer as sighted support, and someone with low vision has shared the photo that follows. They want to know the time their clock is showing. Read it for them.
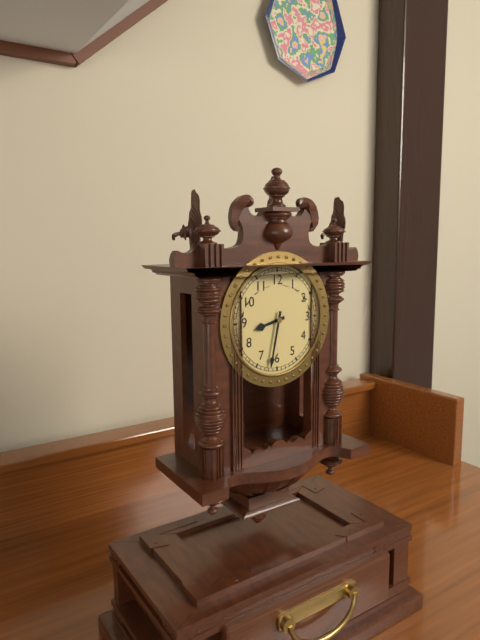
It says 8:32
